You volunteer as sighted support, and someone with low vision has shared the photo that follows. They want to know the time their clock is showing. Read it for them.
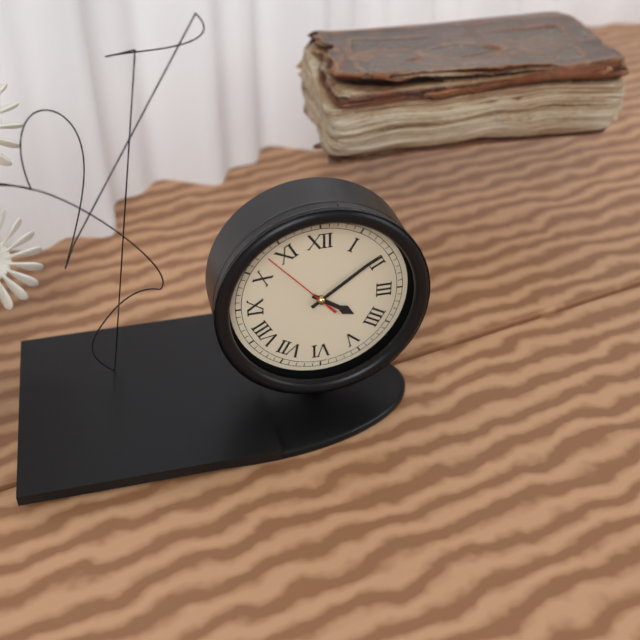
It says 4:09:53
